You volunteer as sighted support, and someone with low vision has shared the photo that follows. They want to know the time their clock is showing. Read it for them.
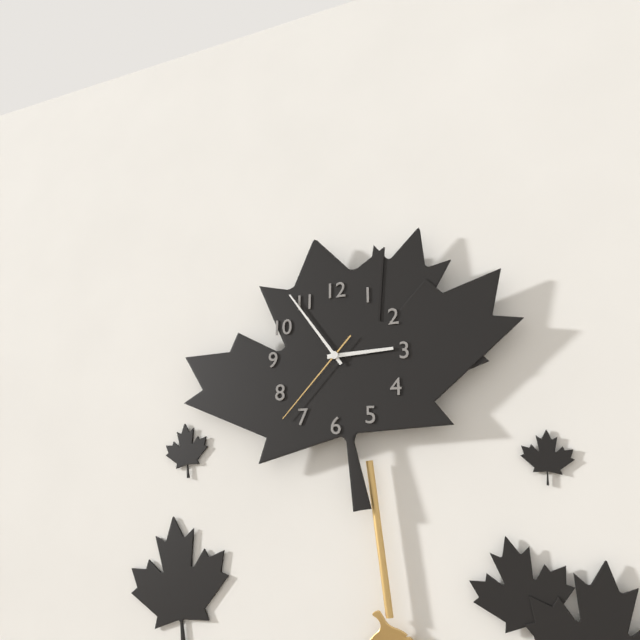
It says 2:54:37
